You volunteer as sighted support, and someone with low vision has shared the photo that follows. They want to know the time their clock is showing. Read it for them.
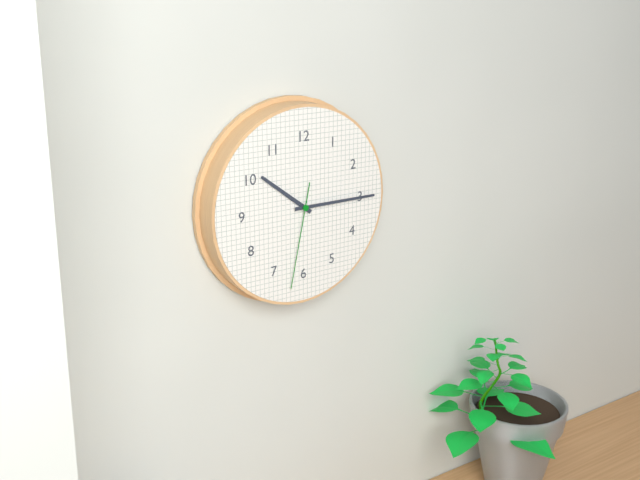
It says 10:15:32
